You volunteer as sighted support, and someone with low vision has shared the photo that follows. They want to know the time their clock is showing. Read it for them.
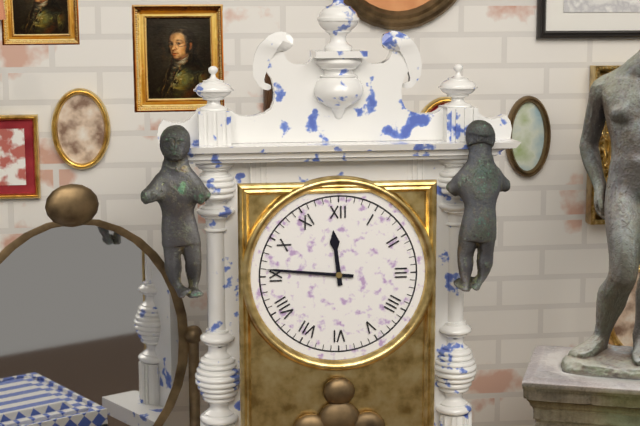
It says 11:46
